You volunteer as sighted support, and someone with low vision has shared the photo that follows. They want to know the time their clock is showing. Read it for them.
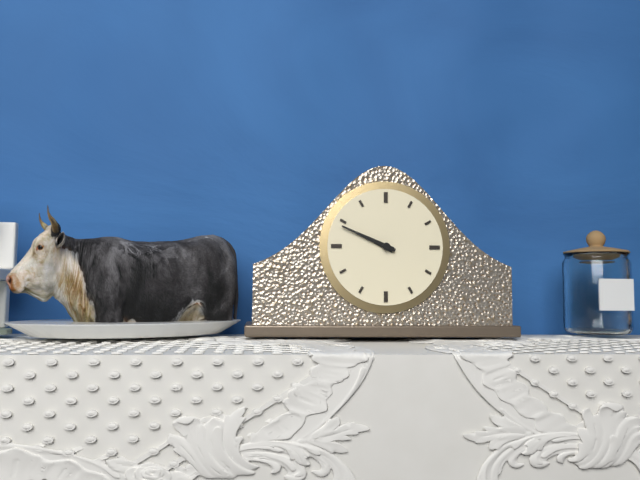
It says 9:49
